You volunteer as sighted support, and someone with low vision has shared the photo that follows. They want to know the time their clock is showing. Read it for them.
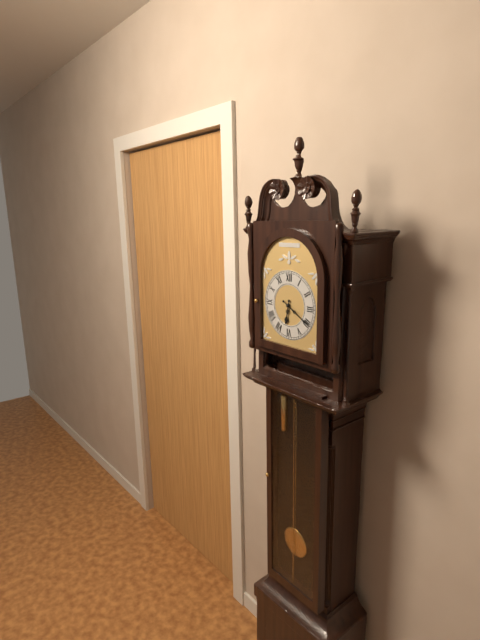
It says 6:20
